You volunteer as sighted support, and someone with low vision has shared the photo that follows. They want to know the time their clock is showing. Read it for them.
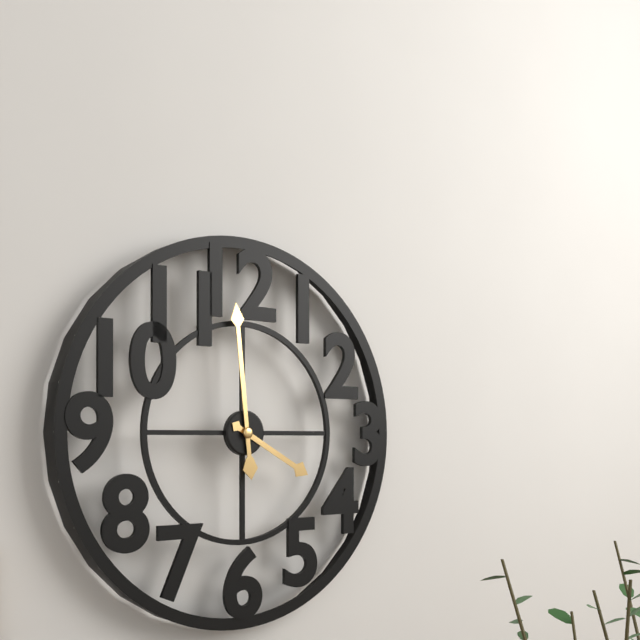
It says 3:59
